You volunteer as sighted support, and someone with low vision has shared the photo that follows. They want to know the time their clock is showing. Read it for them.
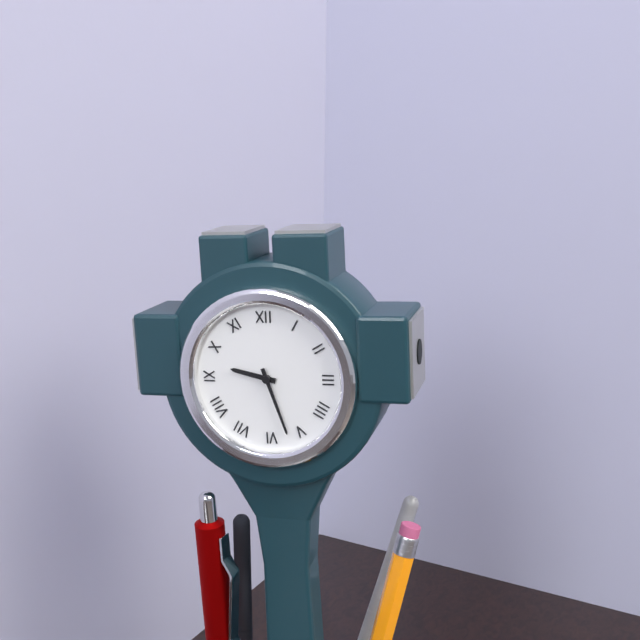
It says 9:27
